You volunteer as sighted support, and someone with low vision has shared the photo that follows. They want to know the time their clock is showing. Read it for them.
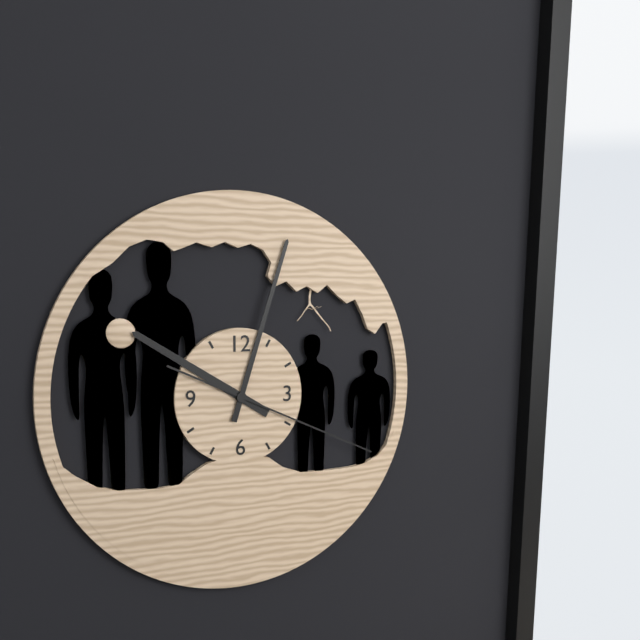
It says 10:03:19
